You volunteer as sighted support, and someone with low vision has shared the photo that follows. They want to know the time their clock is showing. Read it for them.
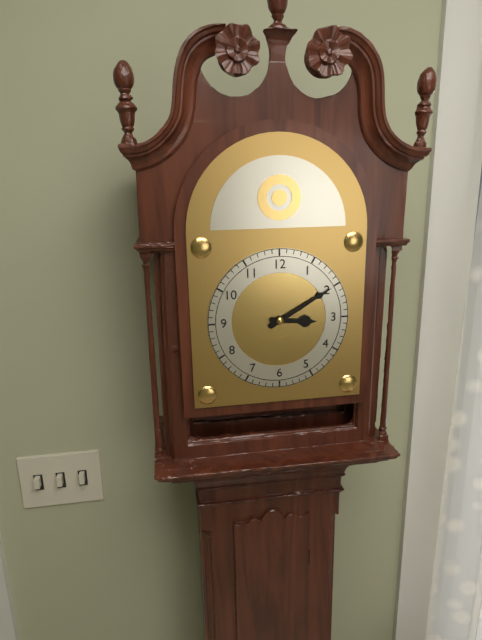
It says 3:10
